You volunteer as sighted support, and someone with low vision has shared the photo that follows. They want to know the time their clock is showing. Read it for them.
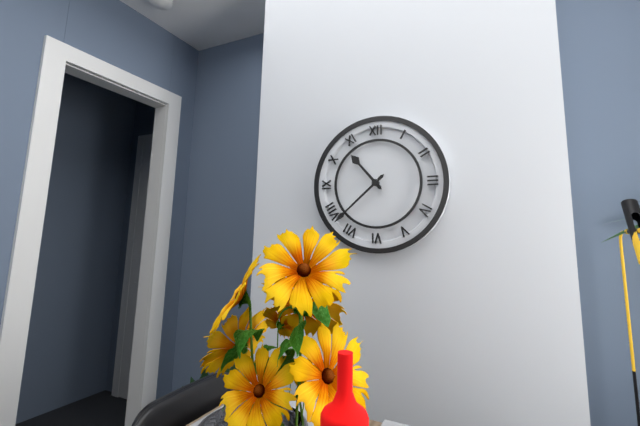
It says 10:38
